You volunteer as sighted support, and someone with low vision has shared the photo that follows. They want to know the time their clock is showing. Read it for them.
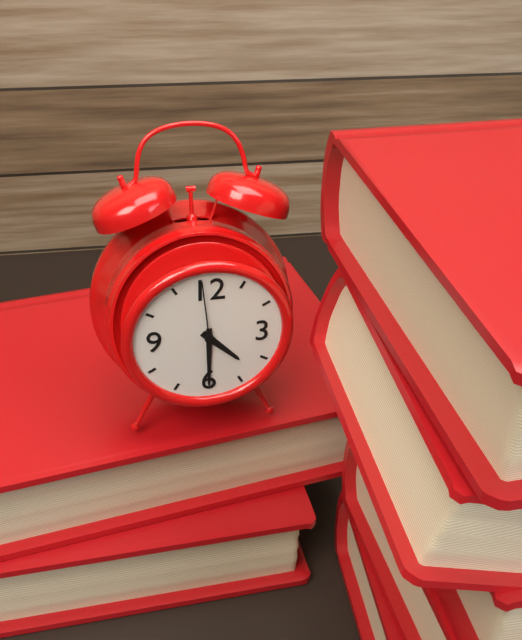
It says 4:30:59
